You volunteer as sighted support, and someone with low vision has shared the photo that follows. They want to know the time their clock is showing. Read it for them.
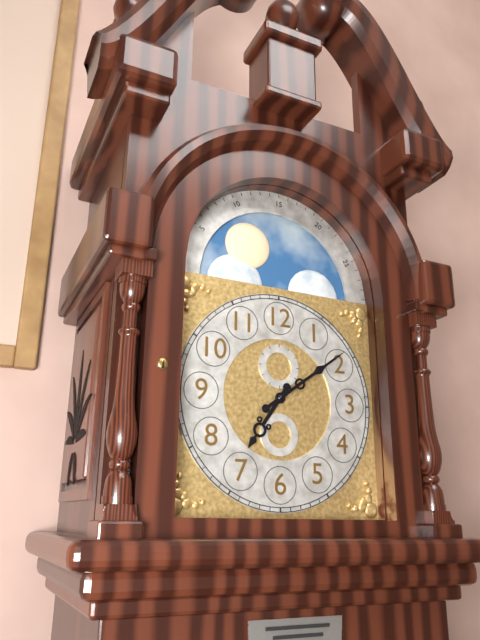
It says 7:09
